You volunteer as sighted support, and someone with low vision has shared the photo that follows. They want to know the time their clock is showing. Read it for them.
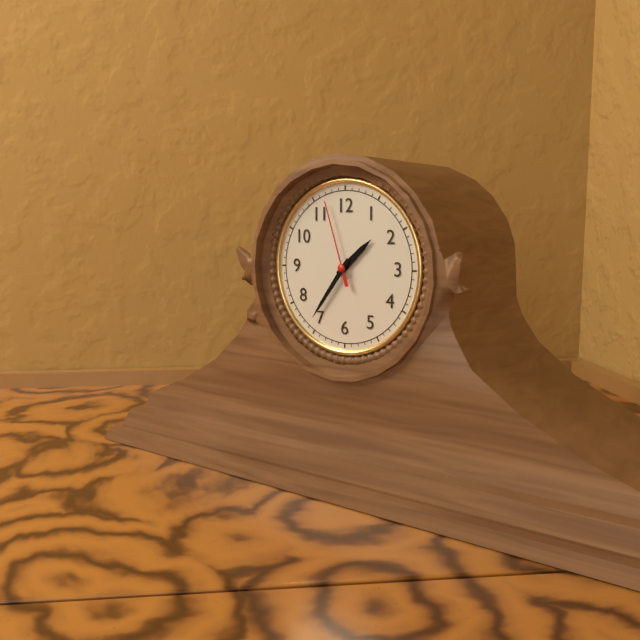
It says 1:36:57
